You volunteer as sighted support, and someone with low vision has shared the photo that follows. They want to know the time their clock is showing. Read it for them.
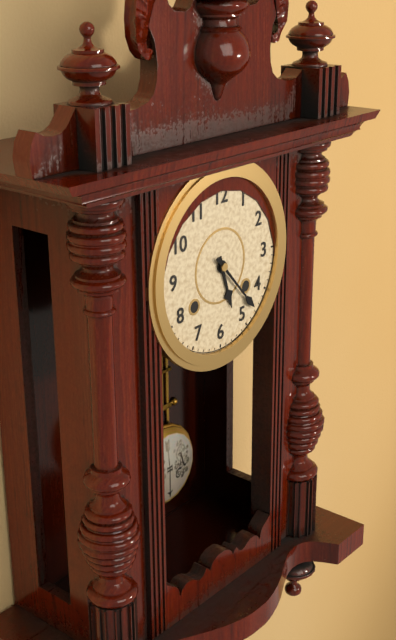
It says 5:23
